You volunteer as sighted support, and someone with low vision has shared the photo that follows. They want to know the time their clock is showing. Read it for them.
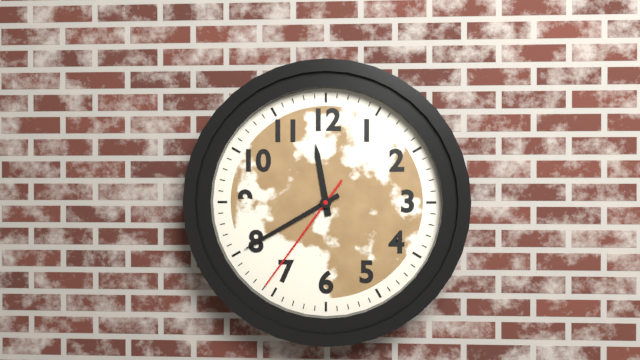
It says 11:40:36
